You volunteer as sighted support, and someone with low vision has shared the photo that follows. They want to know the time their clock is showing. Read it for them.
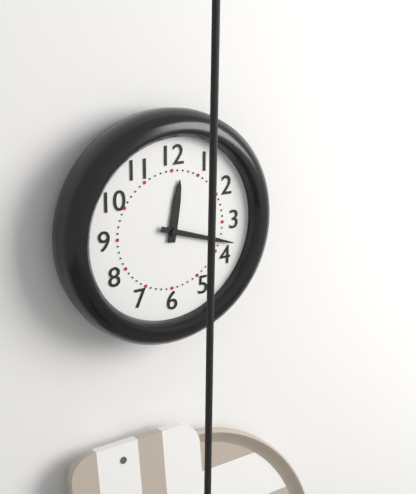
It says 12:18
